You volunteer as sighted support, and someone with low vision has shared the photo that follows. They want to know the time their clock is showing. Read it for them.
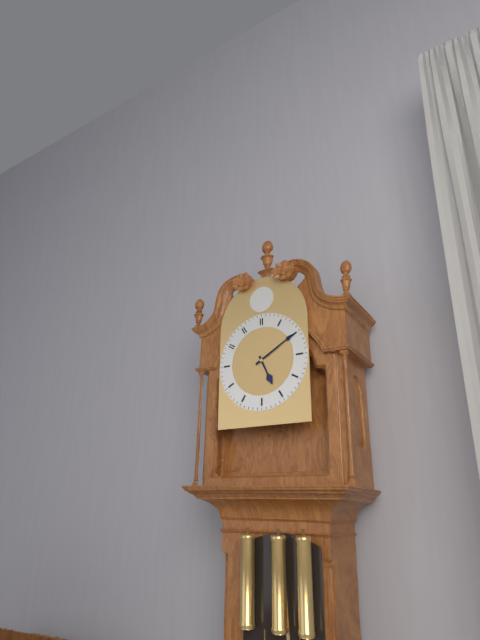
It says 5:10
